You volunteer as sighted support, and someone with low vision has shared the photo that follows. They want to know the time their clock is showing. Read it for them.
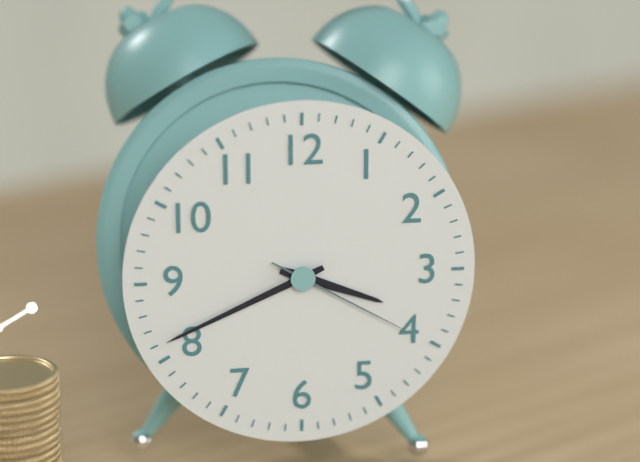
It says 3:41:20
